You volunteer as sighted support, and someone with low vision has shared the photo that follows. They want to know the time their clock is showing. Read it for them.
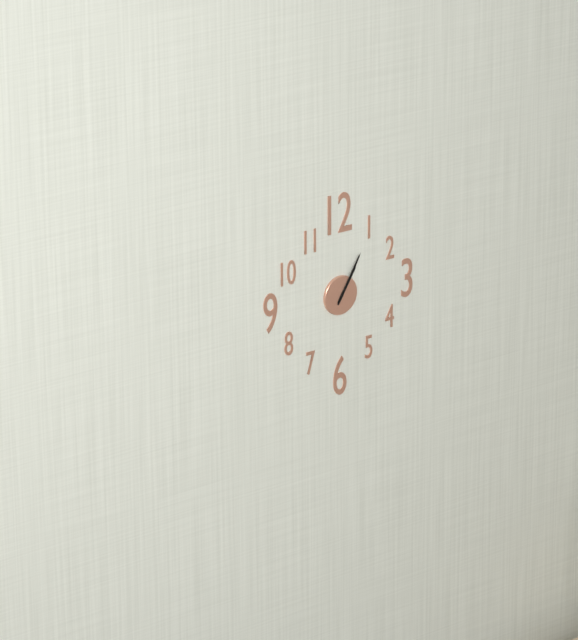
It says 1:05
